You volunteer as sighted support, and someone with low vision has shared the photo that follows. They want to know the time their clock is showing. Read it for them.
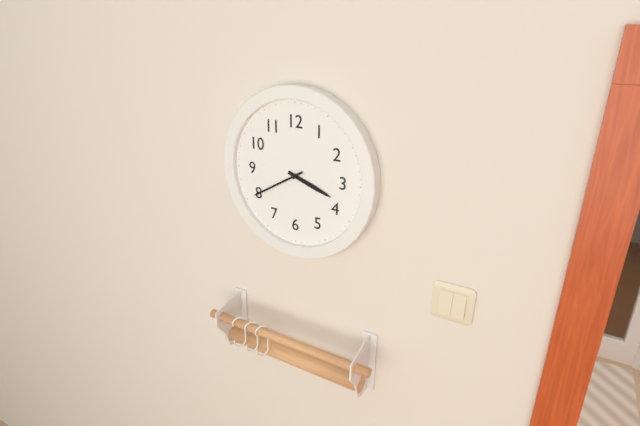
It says 3:40
